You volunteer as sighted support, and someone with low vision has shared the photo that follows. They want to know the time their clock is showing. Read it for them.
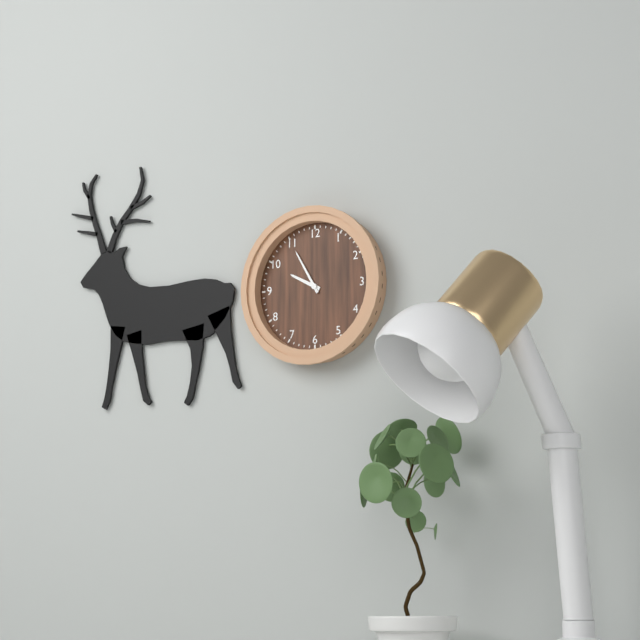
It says 9:55
